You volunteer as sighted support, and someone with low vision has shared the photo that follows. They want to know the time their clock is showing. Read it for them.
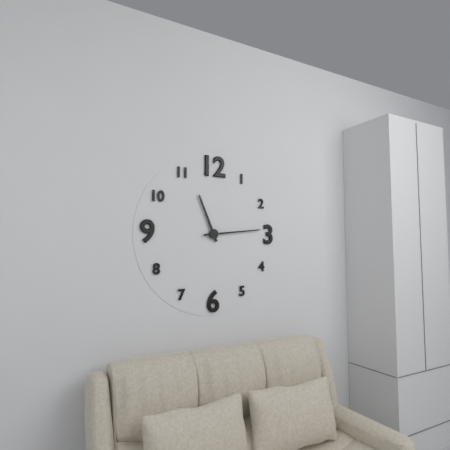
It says 11:14
